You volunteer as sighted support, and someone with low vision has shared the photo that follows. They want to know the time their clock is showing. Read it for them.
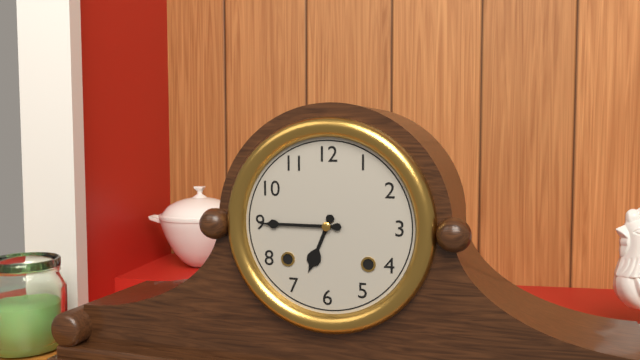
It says 6:45
